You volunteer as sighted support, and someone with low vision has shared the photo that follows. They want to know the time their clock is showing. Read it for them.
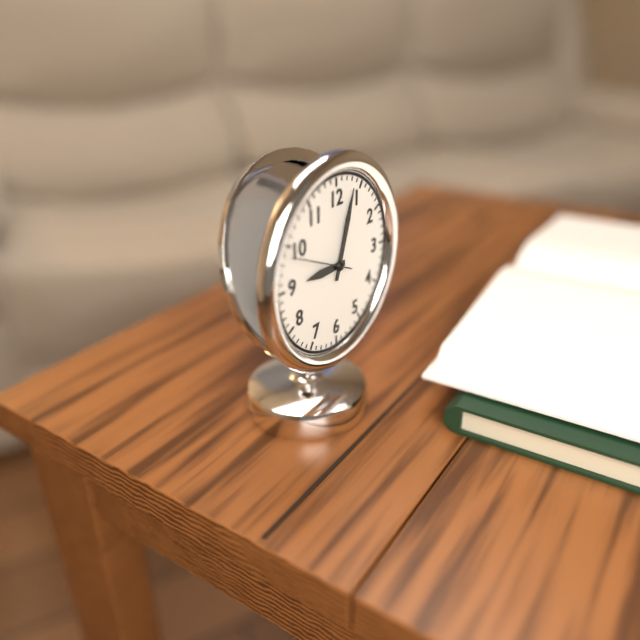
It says 9:03:49
